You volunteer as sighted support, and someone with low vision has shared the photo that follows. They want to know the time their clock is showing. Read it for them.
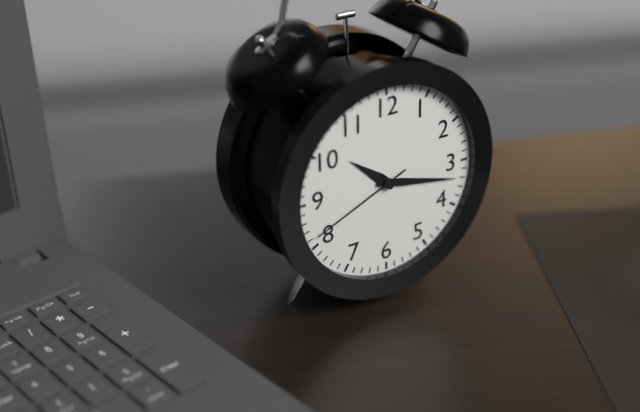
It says 10:17:41
